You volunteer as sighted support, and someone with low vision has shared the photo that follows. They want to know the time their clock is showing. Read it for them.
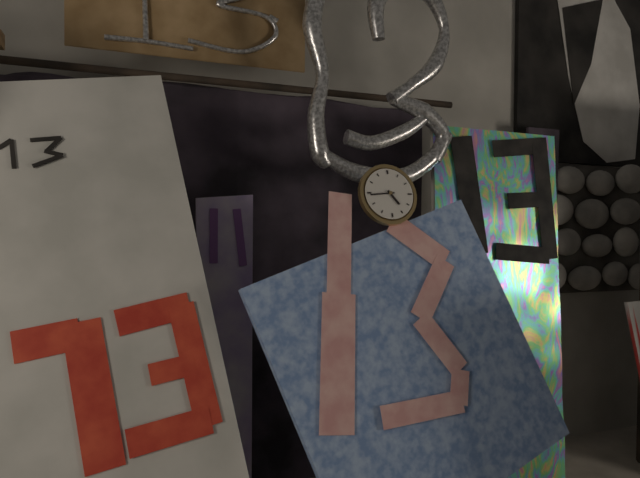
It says 4:44
